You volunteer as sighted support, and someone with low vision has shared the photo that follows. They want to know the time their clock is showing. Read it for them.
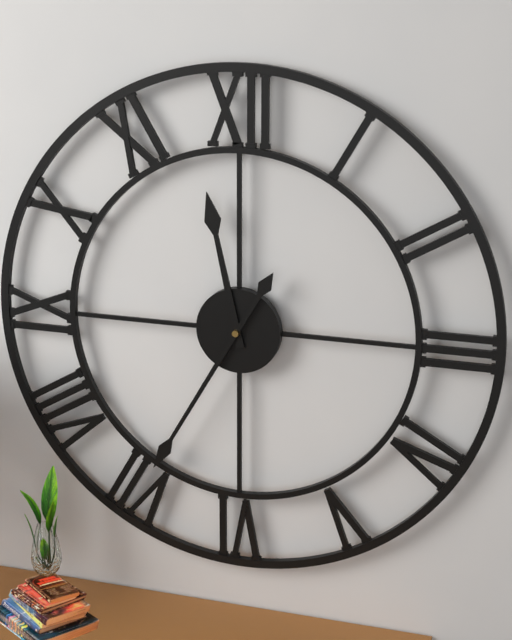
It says 11:35
